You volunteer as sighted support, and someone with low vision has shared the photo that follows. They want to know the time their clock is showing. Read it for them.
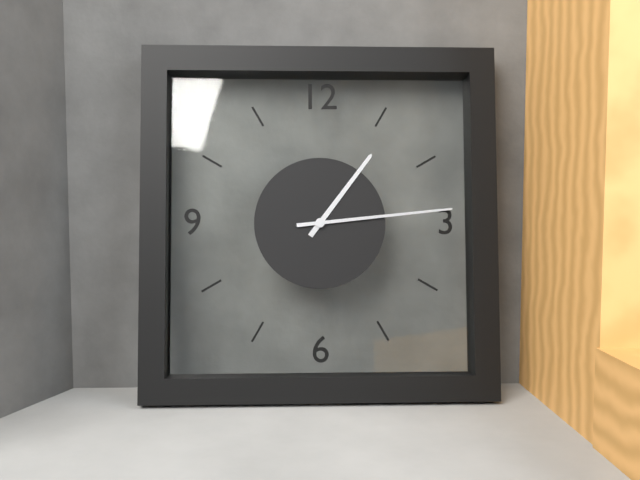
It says 1:14
